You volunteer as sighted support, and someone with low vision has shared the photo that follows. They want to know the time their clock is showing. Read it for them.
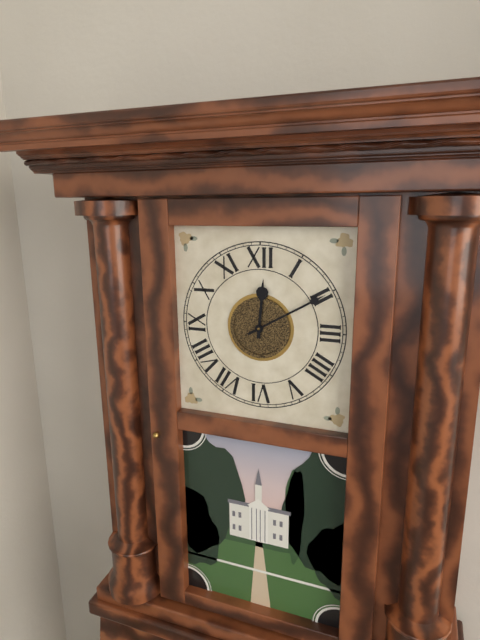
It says 12:10
